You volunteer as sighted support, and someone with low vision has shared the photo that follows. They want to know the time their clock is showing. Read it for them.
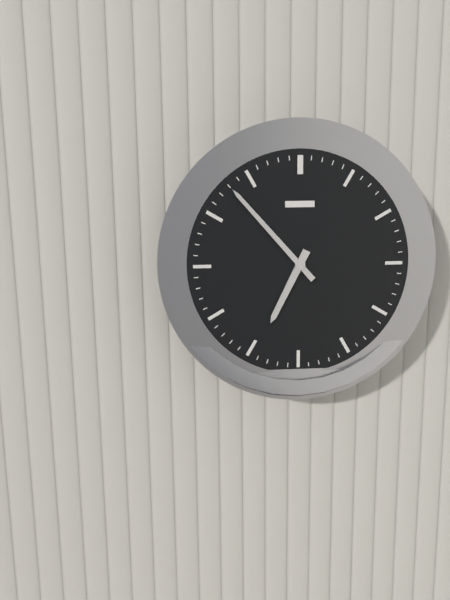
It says 6:53
